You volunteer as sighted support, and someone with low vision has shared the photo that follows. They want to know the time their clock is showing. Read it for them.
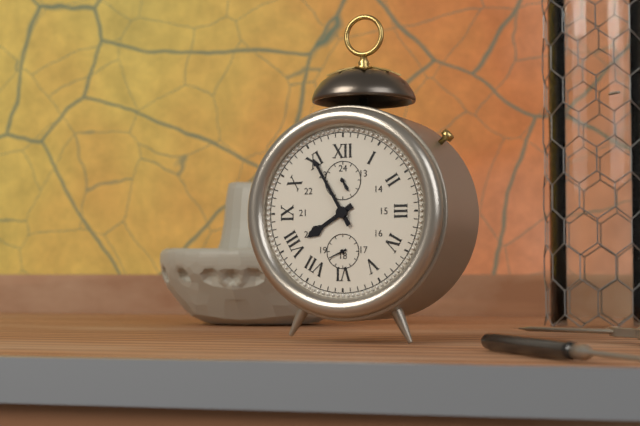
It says 7:55
